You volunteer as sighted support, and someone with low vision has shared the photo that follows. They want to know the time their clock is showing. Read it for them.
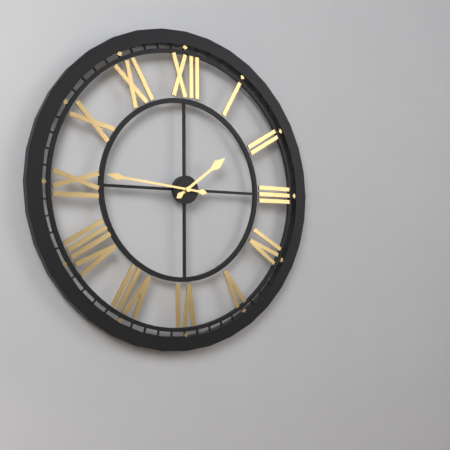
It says 1:46
